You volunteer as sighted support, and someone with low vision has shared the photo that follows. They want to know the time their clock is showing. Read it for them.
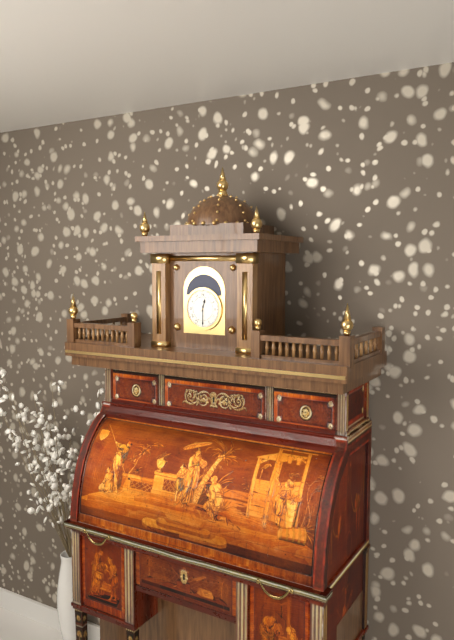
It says 12:30
